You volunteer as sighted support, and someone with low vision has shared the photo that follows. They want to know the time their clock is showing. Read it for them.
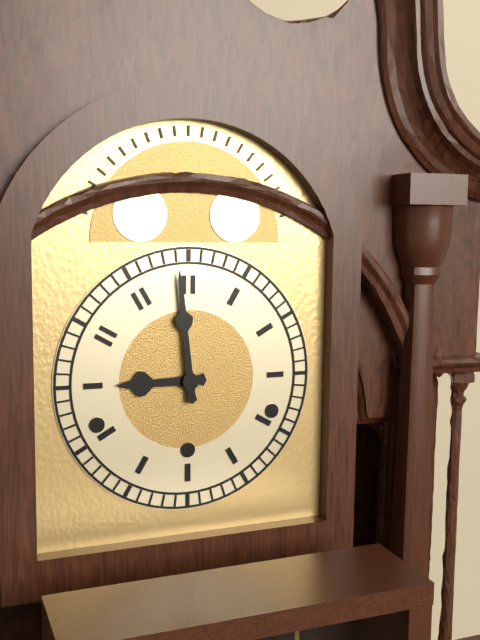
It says 8:59
